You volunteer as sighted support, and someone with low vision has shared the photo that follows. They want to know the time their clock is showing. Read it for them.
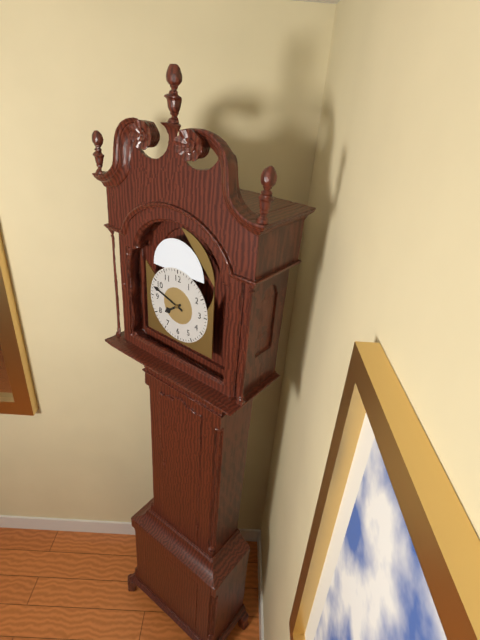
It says 7:48
